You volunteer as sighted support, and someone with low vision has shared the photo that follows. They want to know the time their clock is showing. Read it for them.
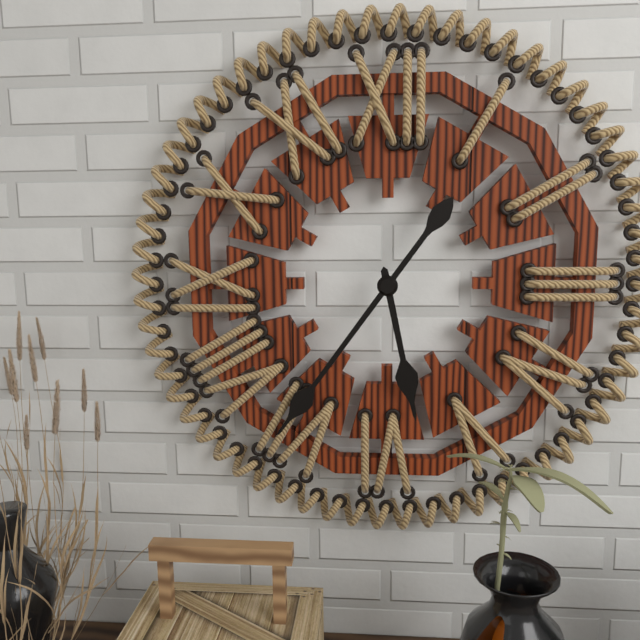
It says 5:36
